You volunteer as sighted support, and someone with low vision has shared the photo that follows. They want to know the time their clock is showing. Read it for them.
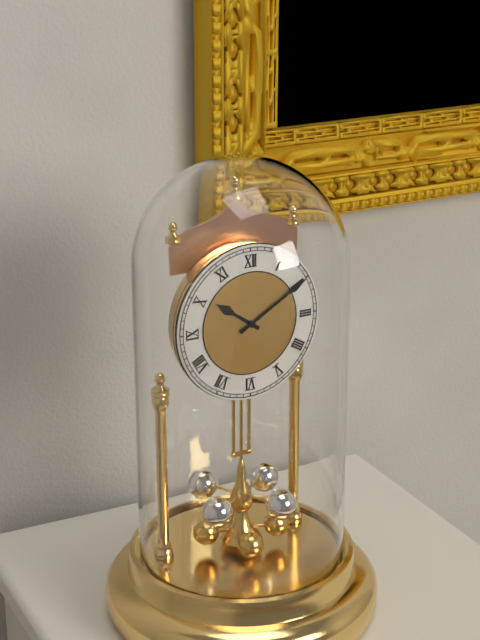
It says 10:10
